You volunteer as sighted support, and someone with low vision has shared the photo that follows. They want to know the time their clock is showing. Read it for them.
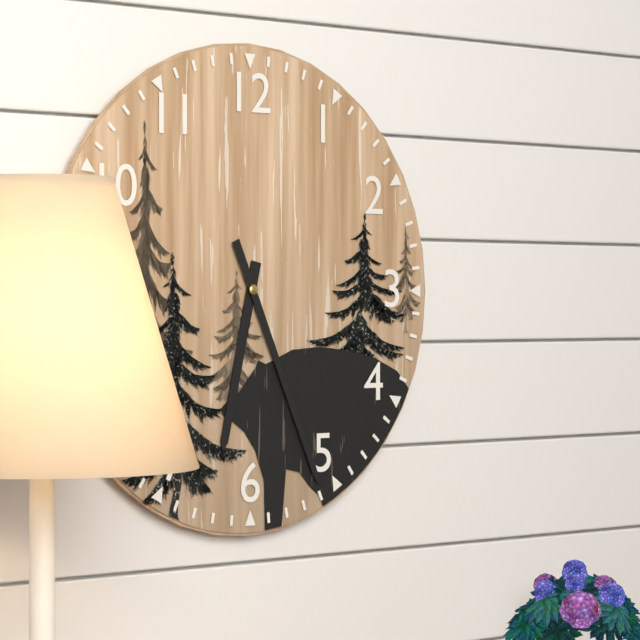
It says 6:26
